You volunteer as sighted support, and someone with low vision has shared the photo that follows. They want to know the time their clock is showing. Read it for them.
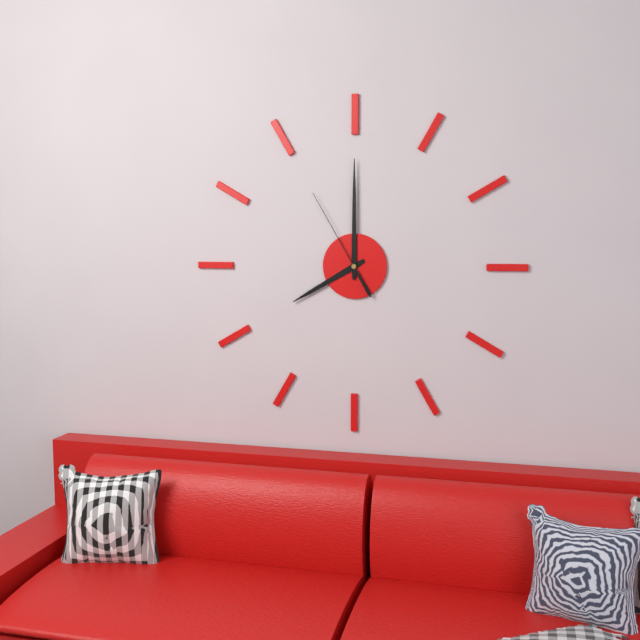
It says 8:00:55
